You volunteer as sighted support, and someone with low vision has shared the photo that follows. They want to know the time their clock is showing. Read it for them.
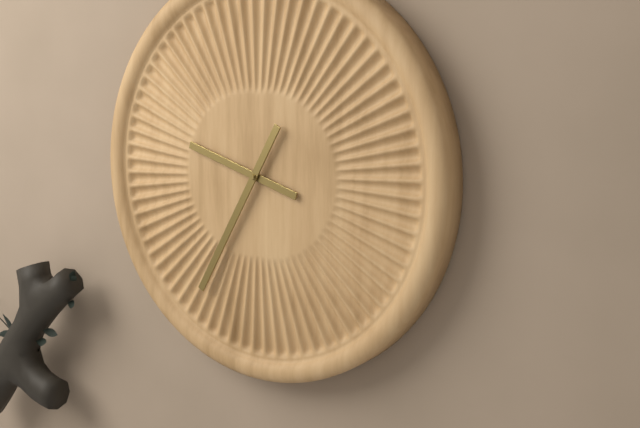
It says 9:35
